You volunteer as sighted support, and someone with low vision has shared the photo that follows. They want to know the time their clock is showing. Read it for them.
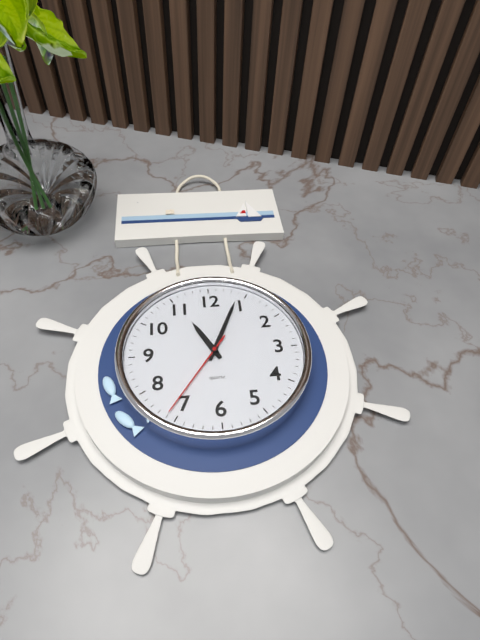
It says 11:04:36
